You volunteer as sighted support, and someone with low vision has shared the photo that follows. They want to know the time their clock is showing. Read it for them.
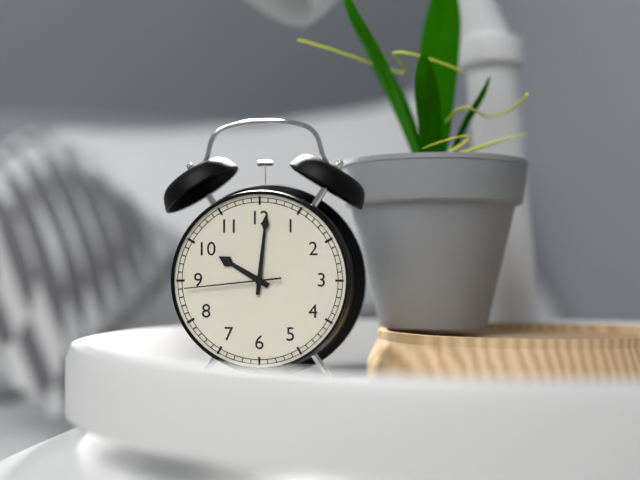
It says 10:01:44
